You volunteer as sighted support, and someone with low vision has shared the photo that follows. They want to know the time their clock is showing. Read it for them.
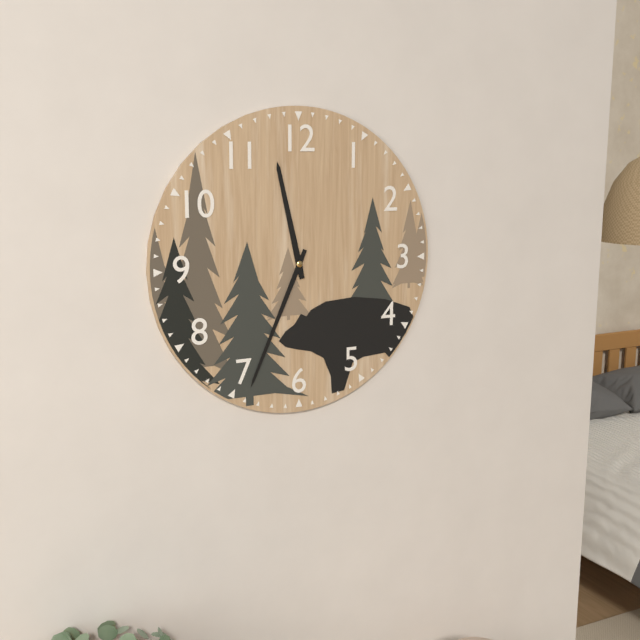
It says 11:34
